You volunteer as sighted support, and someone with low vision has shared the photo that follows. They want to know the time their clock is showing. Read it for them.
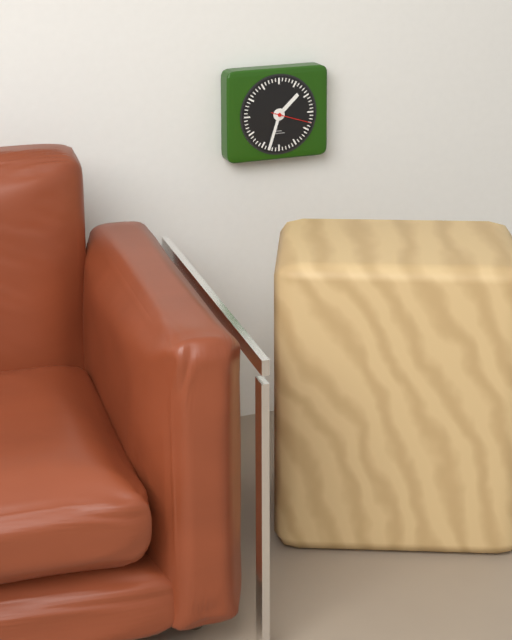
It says 1:33
